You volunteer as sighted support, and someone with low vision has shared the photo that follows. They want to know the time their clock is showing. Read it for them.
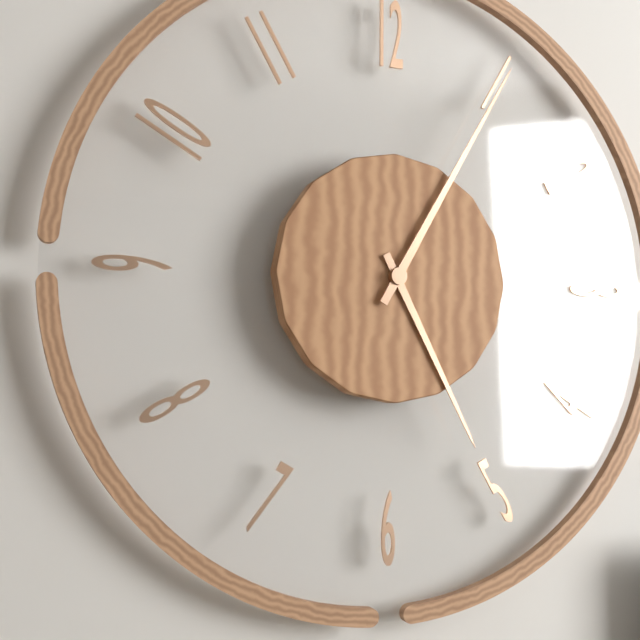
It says 5:05
